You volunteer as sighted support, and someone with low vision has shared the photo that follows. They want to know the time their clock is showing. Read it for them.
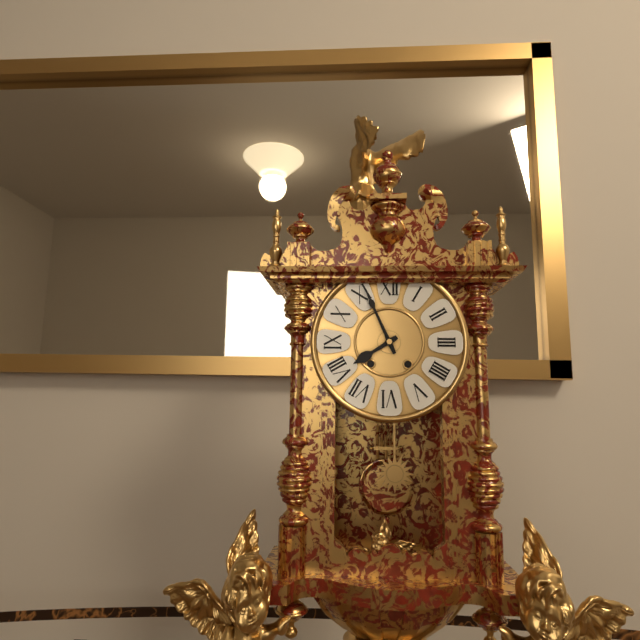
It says 7:56
